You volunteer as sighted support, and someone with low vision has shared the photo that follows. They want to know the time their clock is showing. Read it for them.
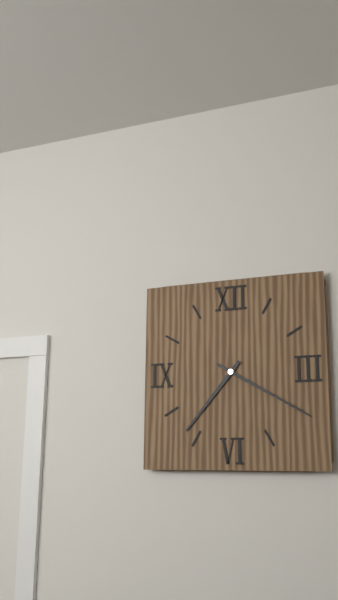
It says 7:20
